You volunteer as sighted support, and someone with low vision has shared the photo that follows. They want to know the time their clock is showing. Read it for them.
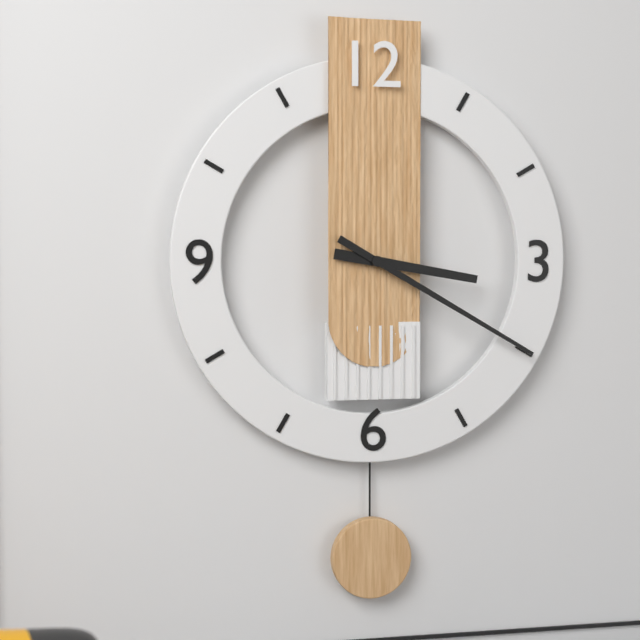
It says 3:20
